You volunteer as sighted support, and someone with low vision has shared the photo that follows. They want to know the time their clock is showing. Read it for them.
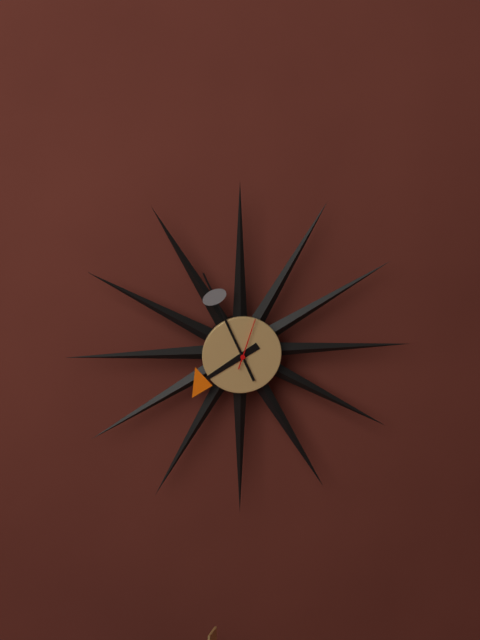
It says 7:56
